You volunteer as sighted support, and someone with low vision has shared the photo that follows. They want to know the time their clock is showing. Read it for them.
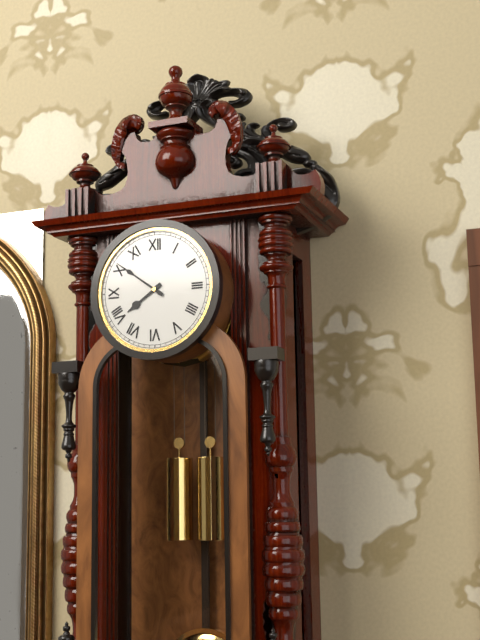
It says 7:51
